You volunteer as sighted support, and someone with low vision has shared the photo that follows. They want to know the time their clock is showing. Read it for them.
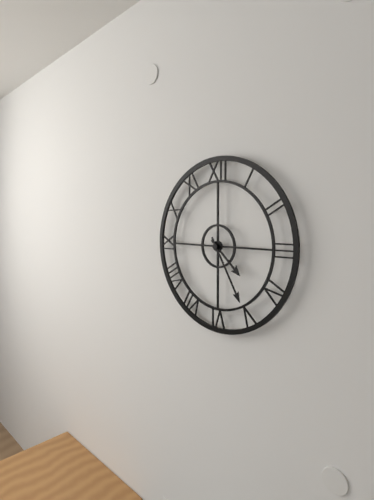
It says 4:25
